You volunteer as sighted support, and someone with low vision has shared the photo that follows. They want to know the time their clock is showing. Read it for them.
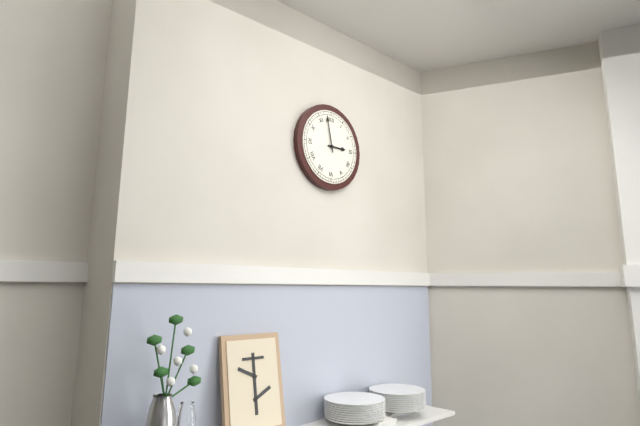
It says 2:58
